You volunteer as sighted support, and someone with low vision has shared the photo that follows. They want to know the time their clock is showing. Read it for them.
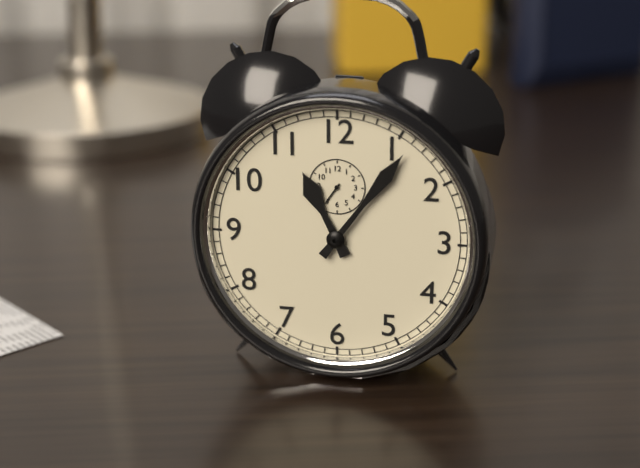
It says 11:06
